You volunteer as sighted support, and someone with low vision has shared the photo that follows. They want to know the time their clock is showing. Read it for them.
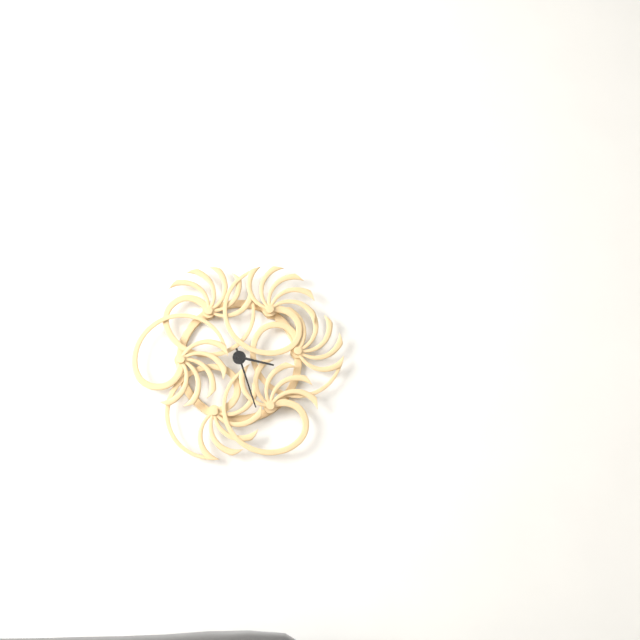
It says 3:27
